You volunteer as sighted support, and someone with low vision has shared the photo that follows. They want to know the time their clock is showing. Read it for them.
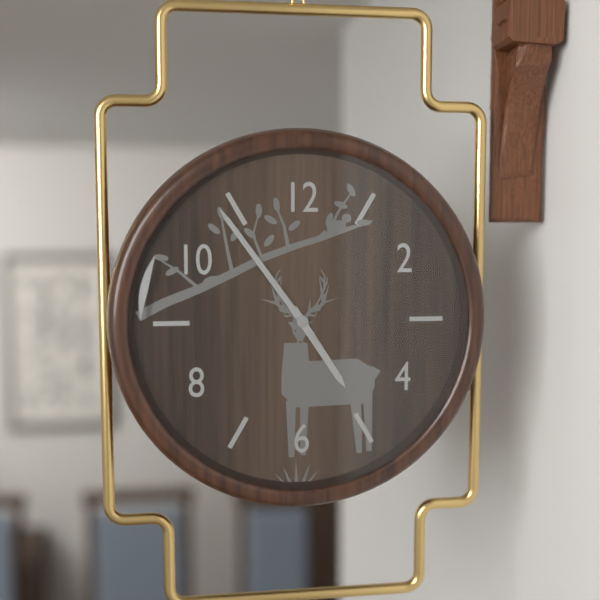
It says 4:54:54
